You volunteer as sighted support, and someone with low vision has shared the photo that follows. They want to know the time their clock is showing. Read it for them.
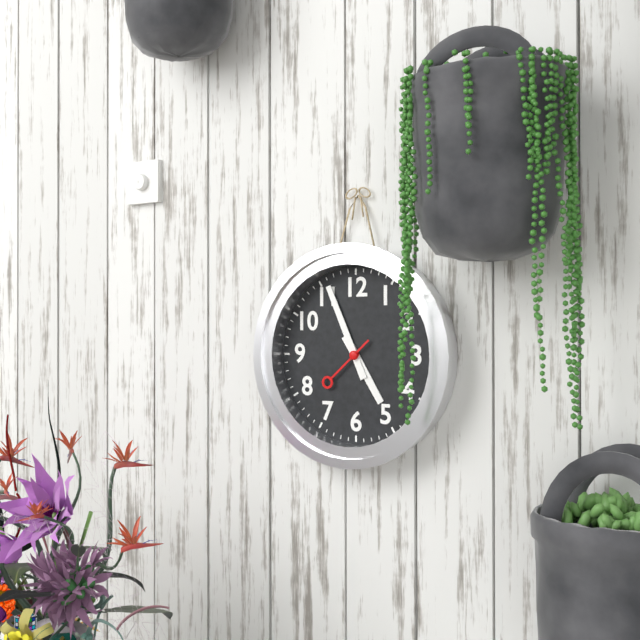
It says 4:56:38
